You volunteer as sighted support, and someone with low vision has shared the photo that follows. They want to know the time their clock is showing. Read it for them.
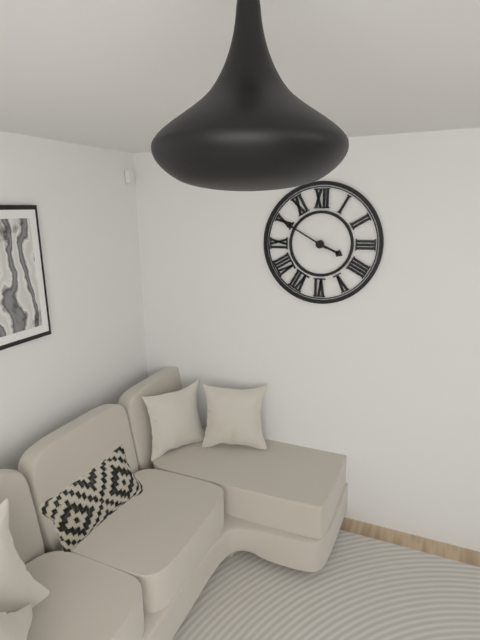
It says 3:50
